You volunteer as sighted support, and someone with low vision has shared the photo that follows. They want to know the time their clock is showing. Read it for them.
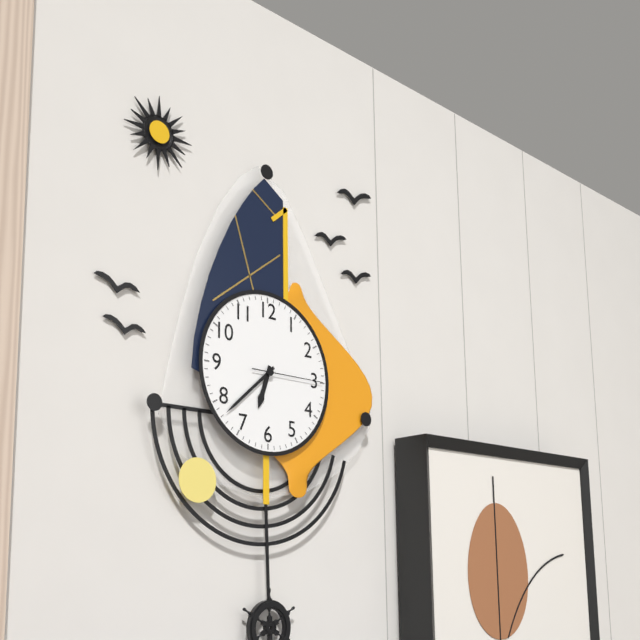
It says 6:38:15
